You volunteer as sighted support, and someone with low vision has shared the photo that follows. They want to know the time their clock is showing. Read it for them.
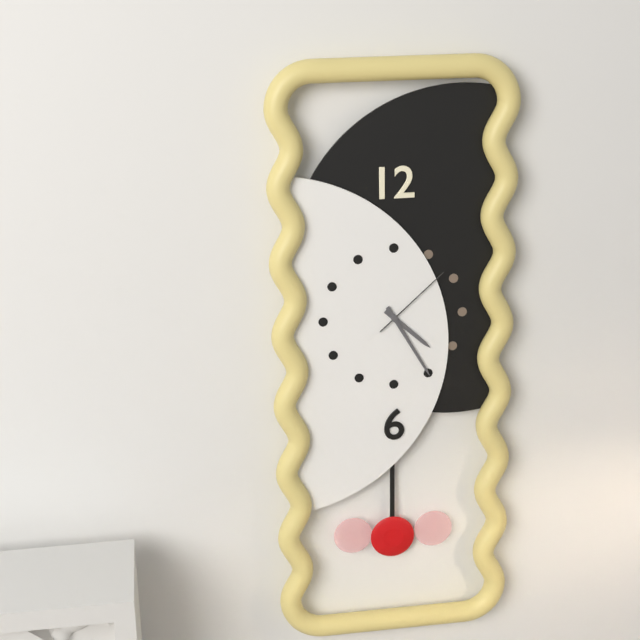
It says 4:25:08
